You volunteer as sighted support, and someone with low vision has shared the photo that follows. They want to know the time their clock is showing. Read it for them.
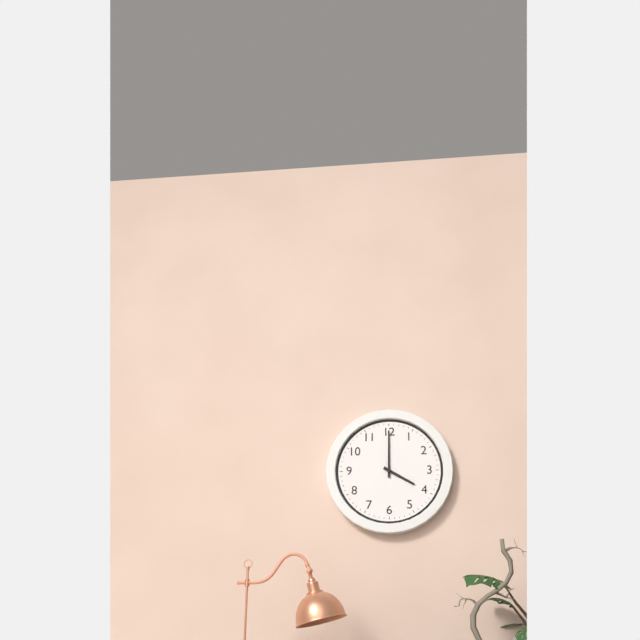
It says 4:00
